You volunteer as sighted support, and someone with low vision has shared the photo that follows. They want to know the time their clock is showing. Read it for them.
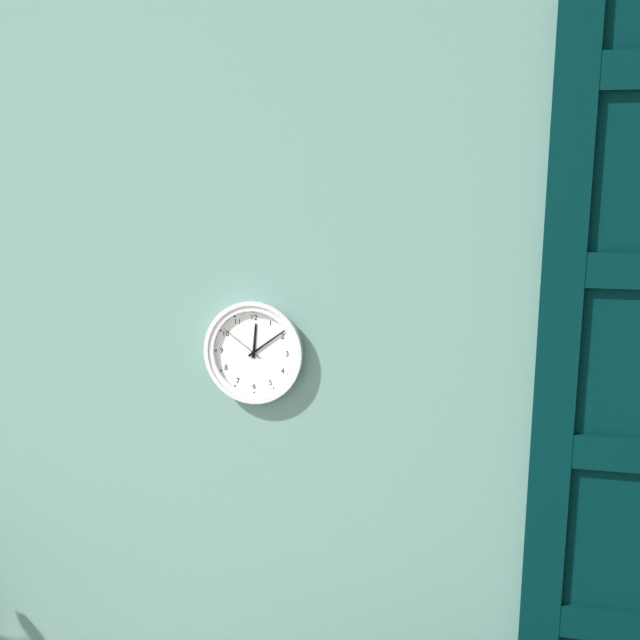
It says 12:09
